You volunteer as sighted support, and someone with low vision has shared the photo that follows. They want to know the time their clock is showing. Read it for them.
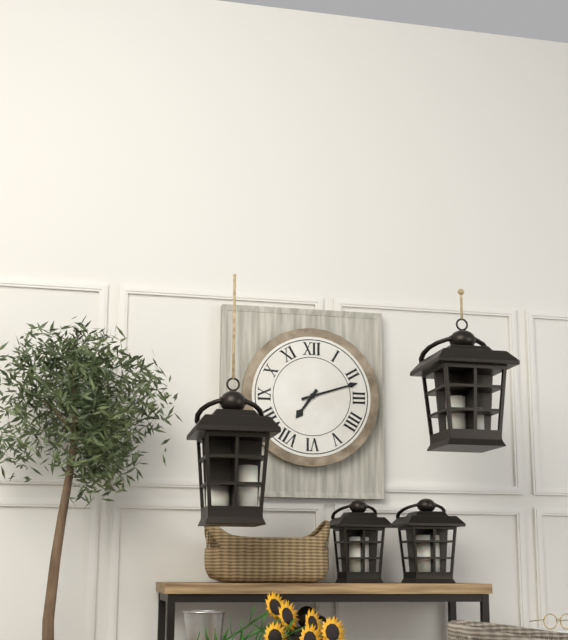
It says 7:12
